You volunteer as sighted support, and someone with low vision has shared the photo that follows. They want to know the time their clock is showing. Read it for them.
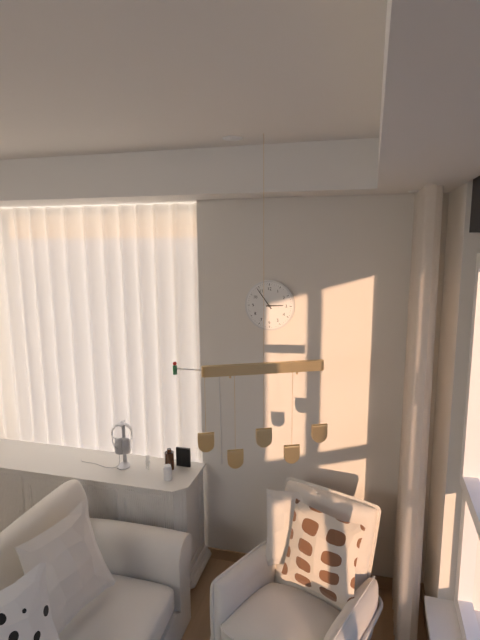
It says 2:54
